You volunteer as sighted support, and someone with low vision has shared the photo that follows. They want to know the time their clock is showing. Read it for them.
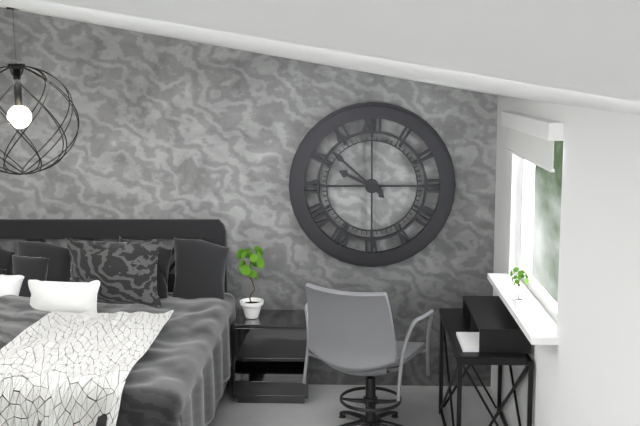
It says 9:52
